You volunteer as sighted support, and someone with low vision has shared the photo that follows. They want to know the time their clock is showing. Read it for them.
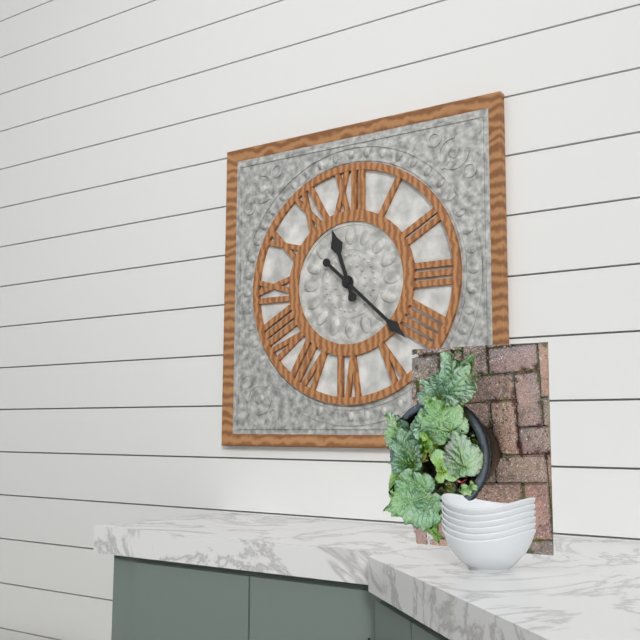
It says 11:22
